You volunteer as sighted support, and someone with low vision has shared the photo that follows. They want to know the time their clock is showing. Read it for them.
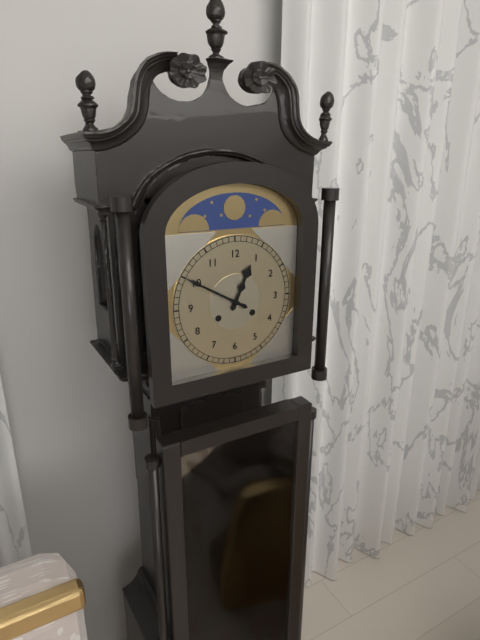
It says 12:50
